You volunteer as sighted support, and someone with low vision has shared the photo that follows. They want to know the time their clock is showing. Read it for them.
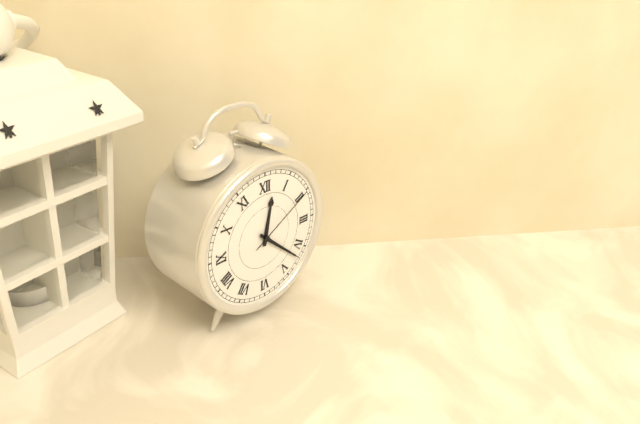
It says 12:22:10
